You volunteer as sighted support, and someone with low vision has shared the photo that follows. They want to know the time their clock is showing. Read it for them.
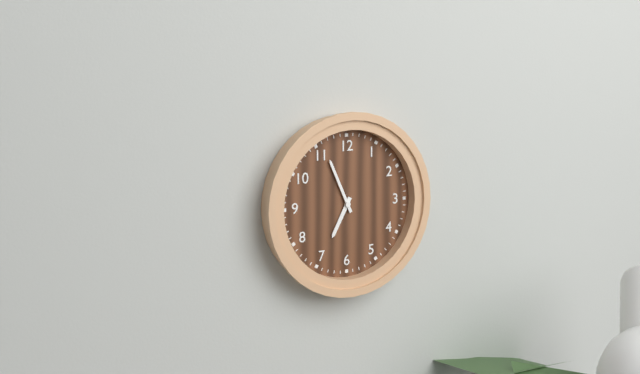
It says 6:56
